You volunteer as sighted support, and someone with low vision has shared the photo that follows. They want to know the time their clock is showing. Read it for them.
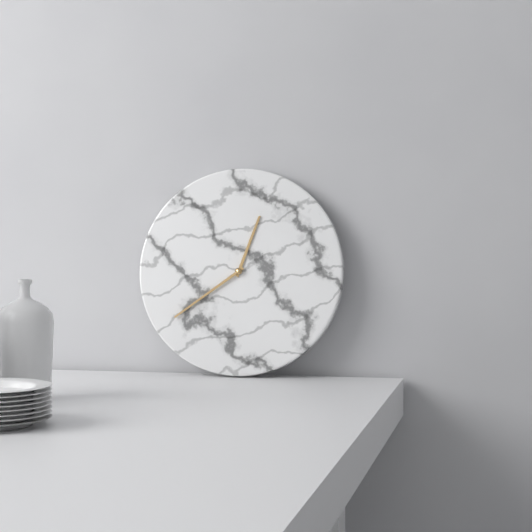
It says 12:39
